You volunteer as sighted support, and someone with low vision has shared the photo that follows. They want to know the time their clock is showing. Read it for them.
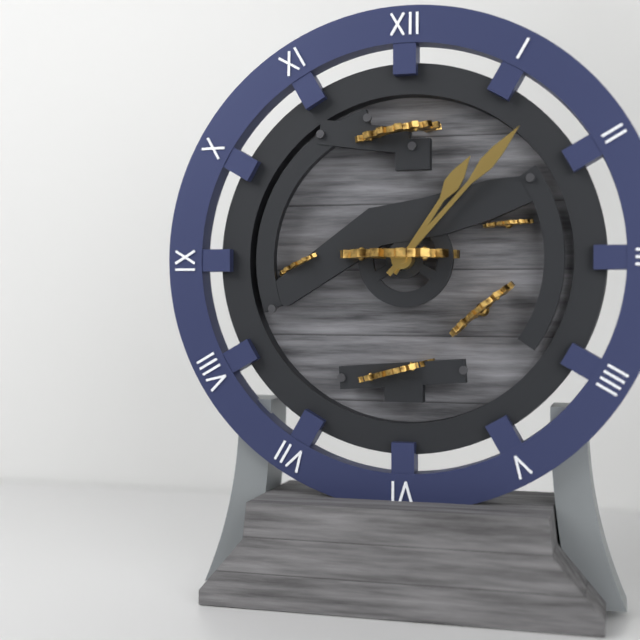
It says 1:07
